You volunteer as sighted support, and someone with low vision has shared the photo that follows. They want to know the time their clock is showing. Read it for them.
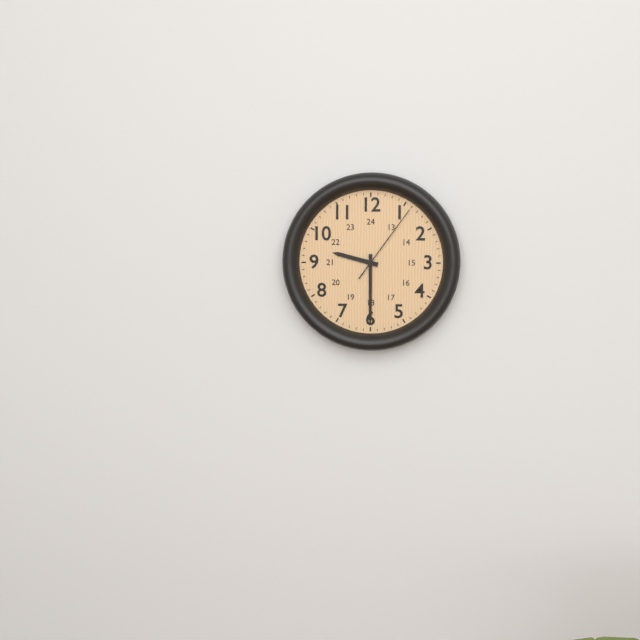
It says 9:30:06
